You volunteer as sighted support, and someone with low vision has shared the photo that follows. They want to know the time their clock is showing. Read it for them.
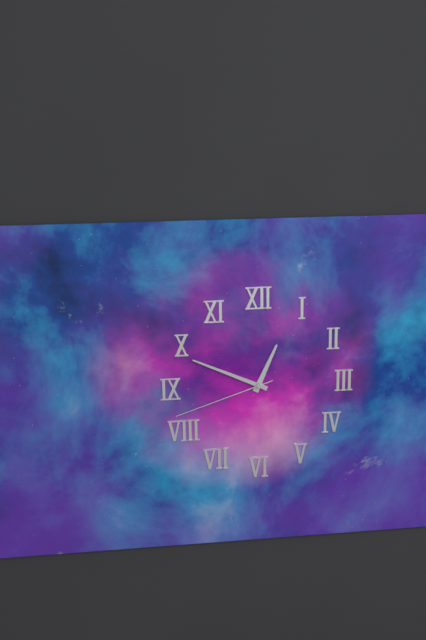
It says 12:49:42
